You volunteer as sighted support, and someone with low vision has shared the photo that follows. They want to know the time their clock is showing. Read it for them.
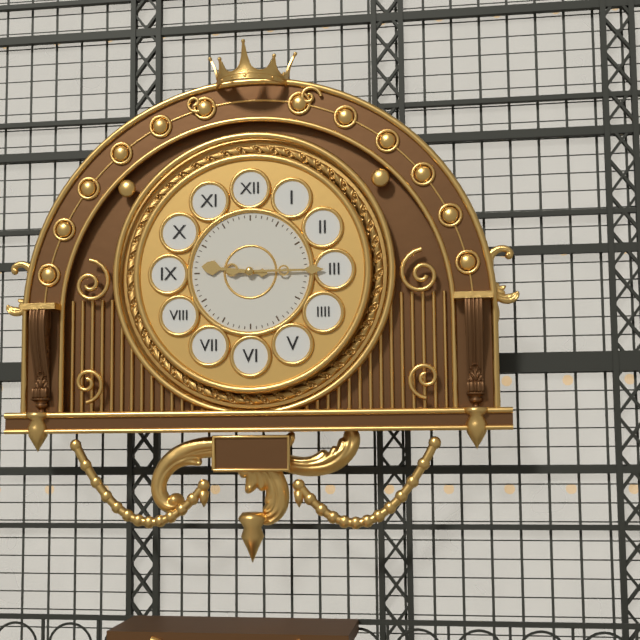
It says 9:15
